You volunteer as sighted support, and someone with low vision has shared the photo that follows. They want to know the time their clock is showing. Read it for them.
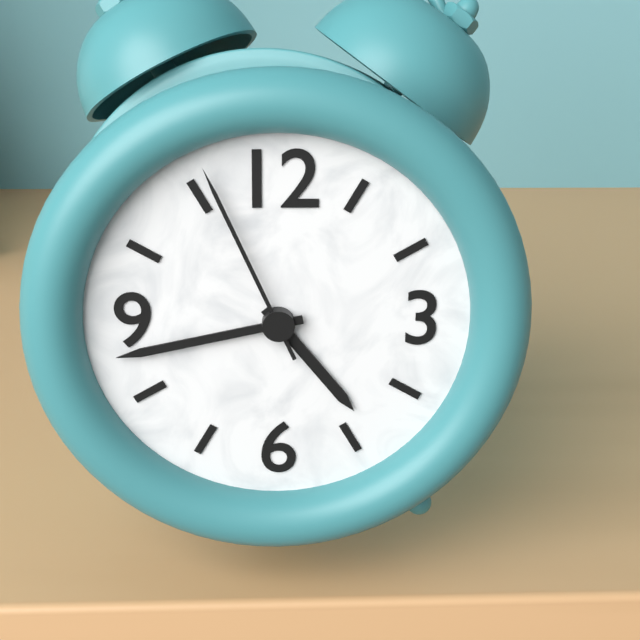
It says 4:43:56
